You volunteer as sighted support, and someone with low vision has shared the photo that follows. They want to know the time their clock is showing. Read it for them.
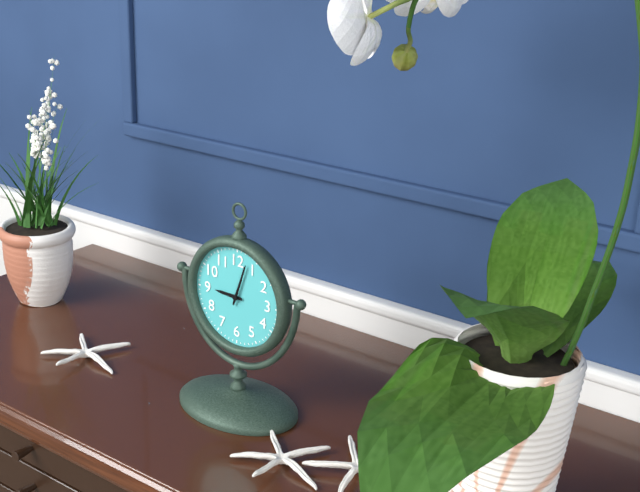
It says 9:03
